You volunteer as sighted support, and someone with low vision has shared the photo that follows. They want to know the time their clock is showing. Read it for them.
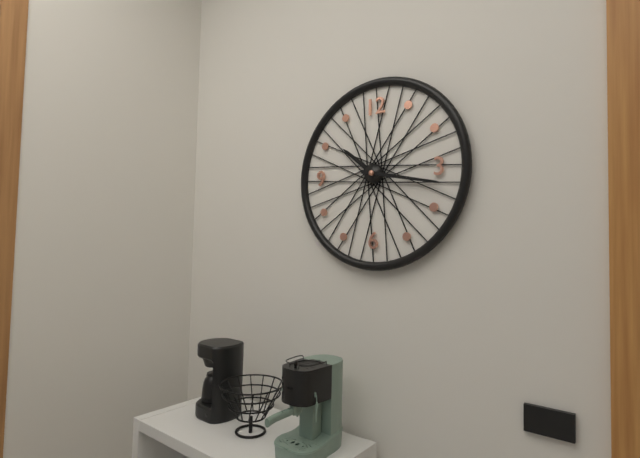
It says 10:17
